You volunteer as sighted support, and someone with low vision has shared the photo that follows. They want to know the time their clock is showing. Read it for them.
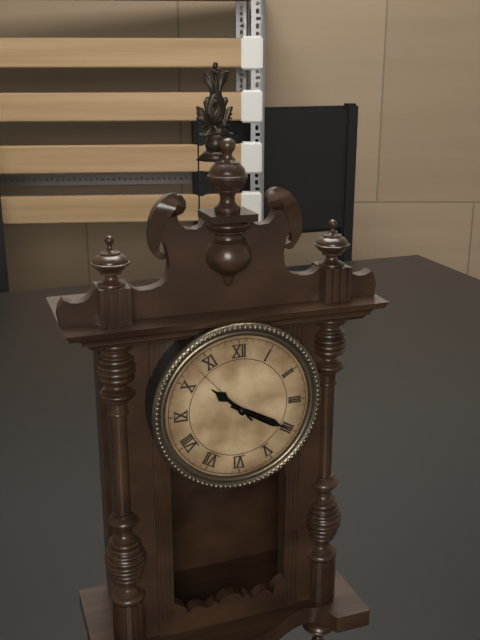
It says 10:20:53
